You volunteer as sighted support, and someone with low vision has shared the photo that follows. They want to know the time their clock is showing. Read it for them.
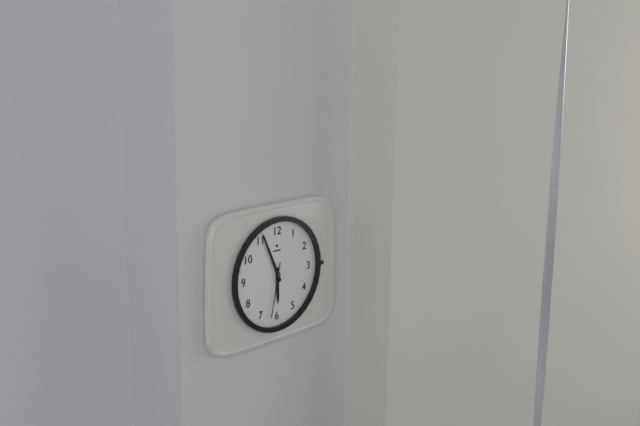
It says 5:56:32
